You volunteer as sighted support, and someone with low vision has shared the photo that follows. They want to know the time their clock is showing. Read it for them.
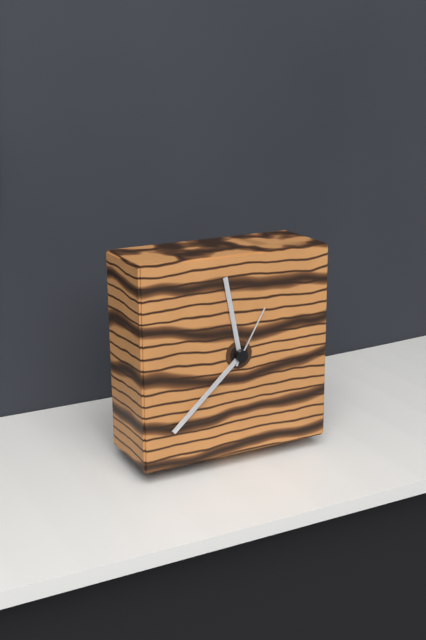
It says 11:38:05
